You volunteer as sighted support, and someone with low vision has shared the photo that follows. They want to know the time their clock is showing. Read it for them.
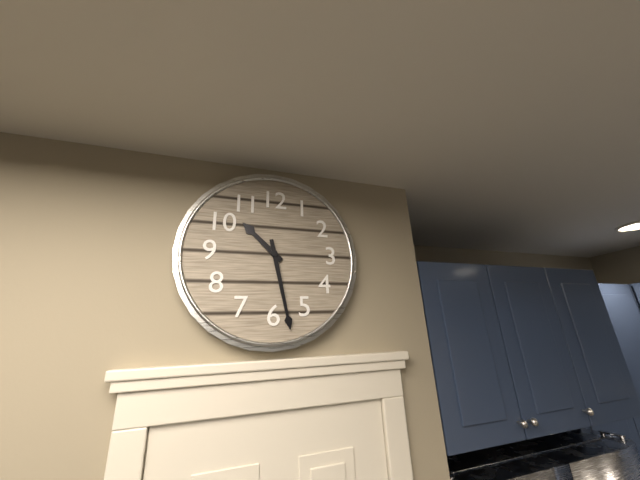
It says 10:28
